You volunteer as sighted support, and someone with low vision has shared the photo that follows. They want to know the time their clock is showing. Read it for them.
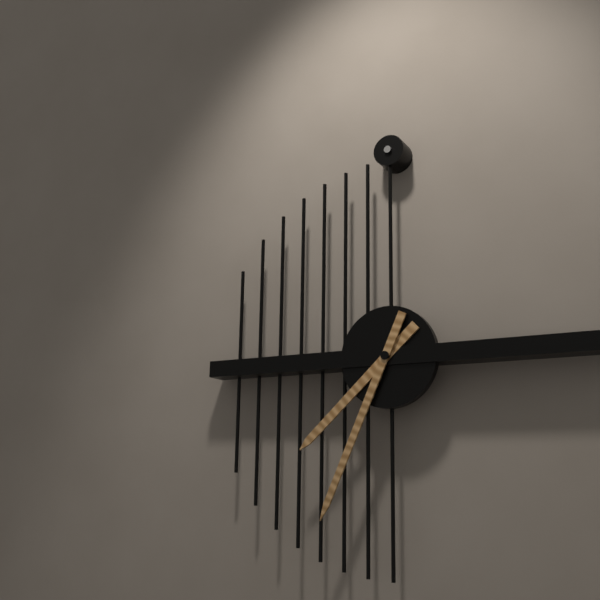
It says 7:34
